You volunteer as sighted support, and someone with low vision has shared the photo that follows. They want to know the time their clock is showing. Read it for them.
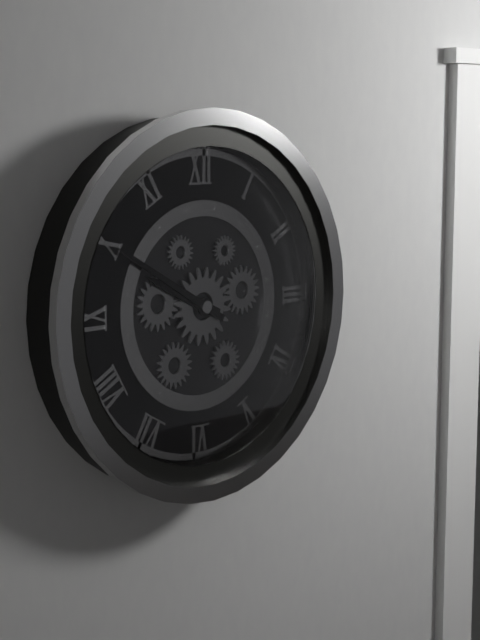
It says 9:50
